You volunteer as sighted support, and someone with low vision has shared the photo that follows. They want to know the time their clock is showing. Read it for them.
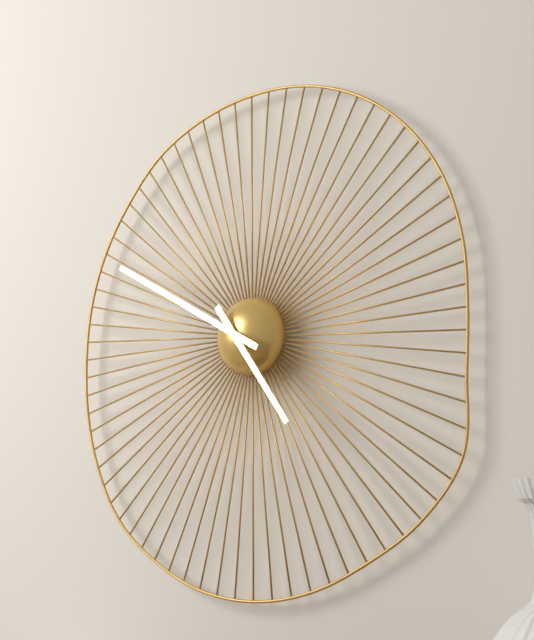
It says 4:50
